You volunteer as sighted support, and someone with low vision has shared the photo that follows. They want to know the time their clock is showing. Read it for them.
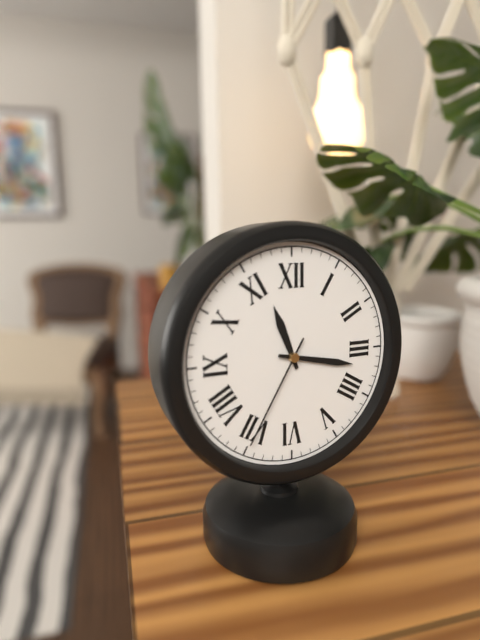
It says 11:17:35
